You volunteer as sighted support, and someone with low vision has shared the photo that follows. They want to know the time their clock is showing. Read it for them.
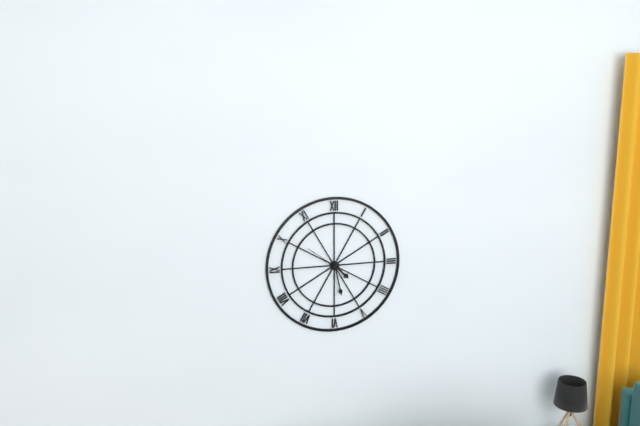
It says 4:28
